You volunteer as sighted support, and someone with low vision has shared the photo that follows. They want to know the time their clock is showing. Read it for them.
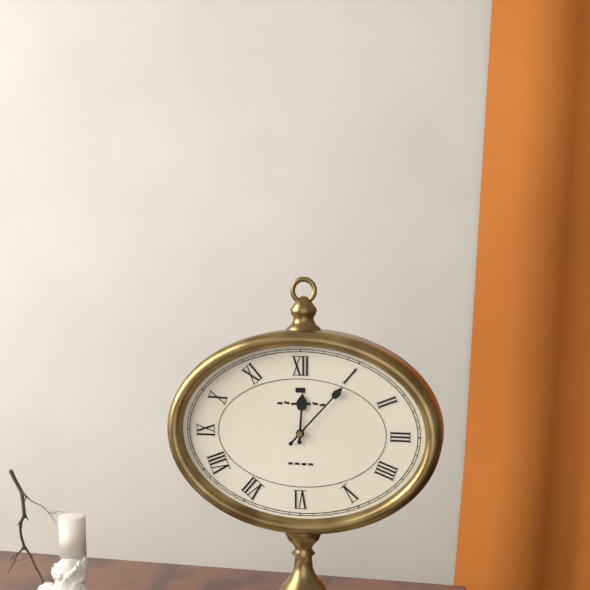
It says 12:07
